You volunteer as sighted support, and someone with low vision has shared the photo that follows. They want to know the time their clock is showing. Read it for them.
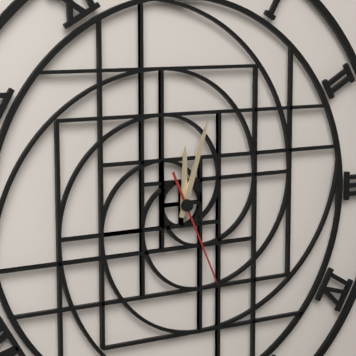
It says 12:03:26
